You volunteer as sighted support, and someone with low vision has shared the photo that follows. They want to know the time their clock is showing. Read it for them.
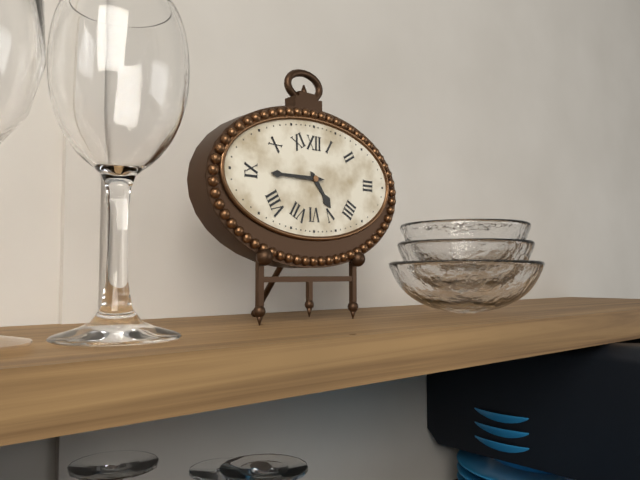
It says 4:45
